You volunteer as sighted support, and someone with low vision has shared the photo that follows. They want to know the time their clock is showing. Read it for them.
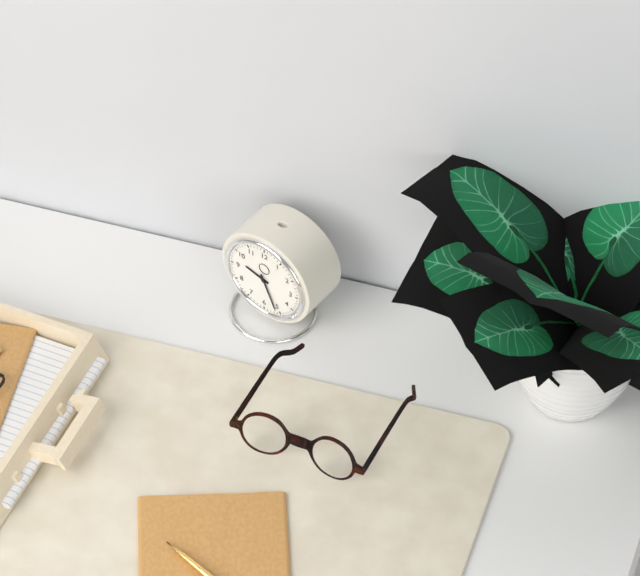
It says 9:26
